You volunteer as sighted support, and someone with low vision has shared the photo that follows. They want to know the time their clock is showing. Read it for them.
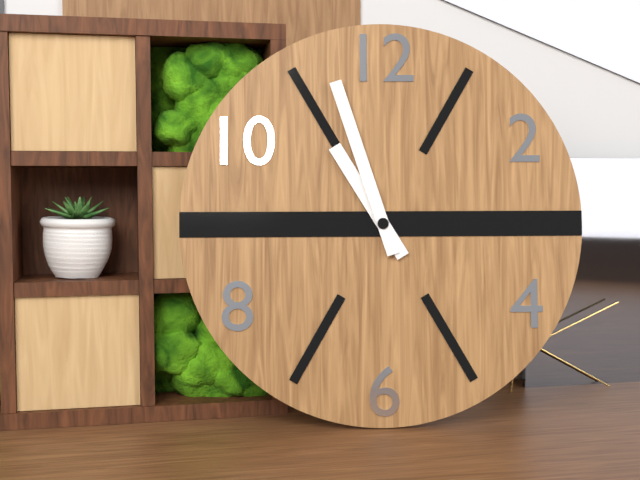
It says 10:57
